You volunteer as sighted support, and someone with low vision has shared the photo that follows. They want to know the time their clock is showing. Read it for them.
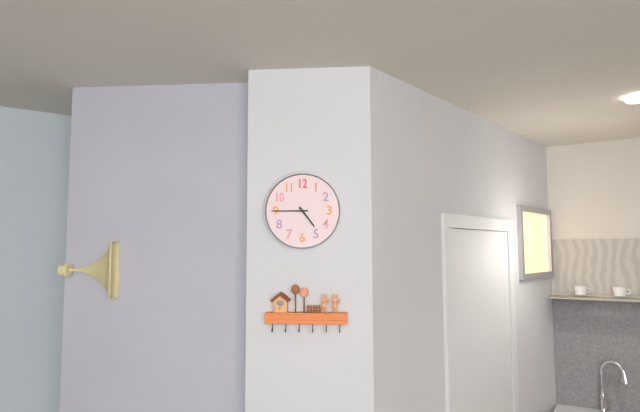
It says 4:45
